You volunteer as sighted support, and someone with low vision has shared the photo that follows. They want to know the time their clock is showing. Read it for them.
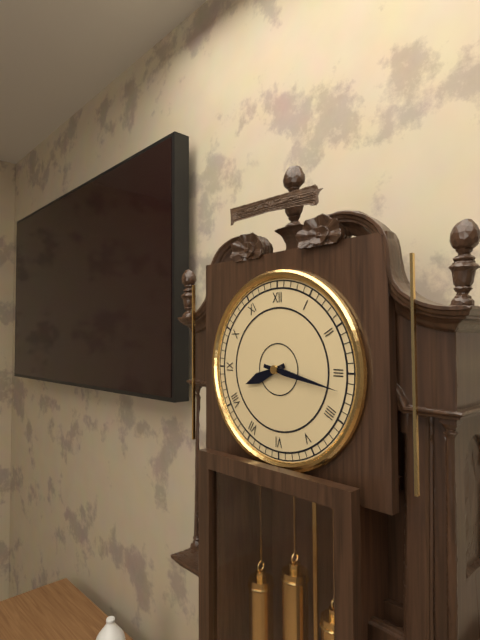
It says 8:17
